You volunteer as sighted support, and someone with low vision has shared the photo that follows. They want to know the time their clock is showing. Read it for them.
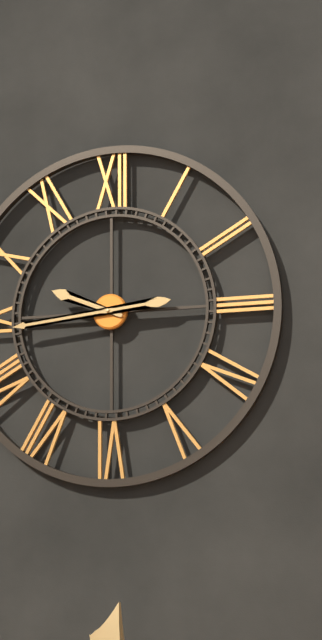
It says 9:44
